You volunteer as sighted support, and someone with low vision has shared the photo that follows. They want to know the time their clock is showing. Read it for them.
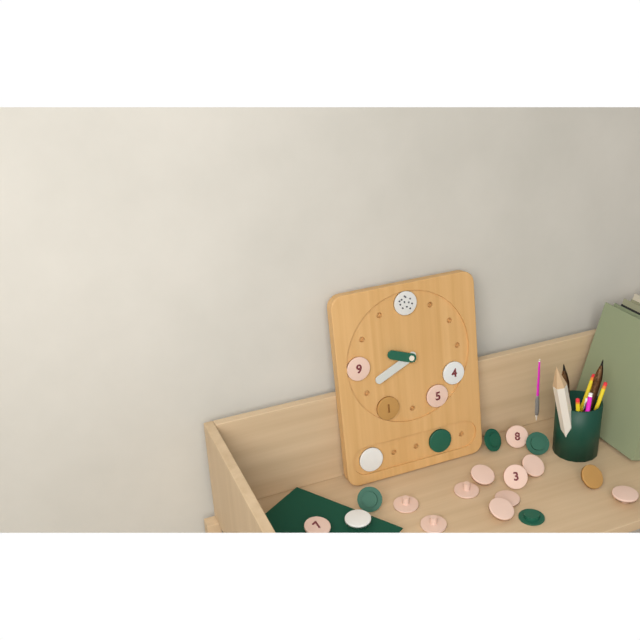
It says 9:41
